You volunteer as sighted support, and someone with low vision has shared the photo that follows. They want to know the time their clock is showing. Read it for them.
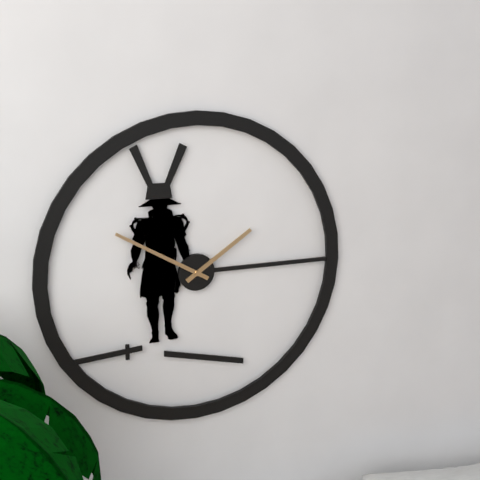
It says 1:50
